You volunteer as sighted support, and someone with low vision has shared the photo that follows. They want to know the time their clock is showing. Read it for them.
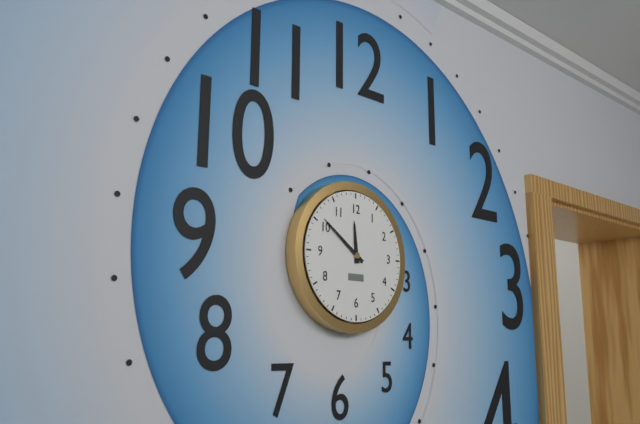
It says 11:51
